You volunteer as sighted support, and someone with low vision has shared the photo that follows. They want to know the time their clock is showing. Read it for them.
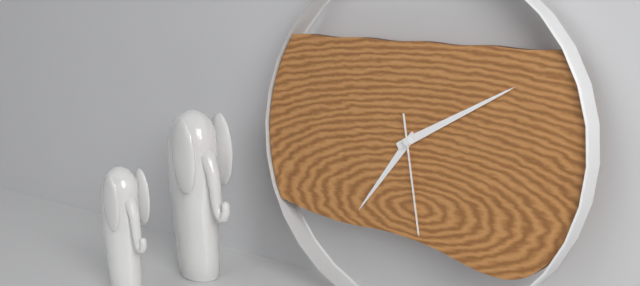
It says 7:10:28
